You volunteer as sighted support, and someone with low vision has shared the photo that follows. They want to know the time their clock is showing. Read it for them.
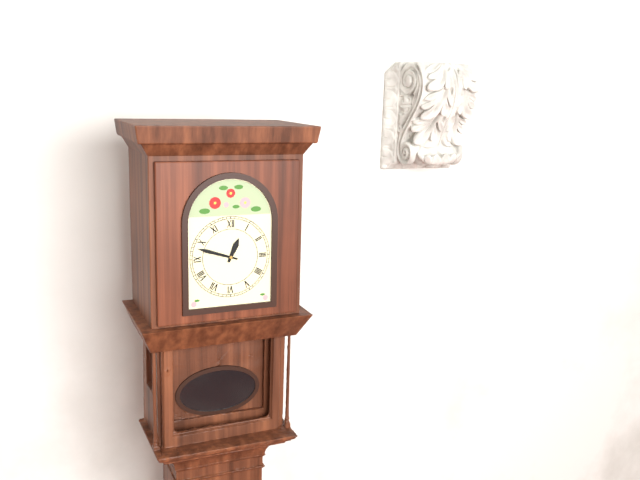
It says 12:48
